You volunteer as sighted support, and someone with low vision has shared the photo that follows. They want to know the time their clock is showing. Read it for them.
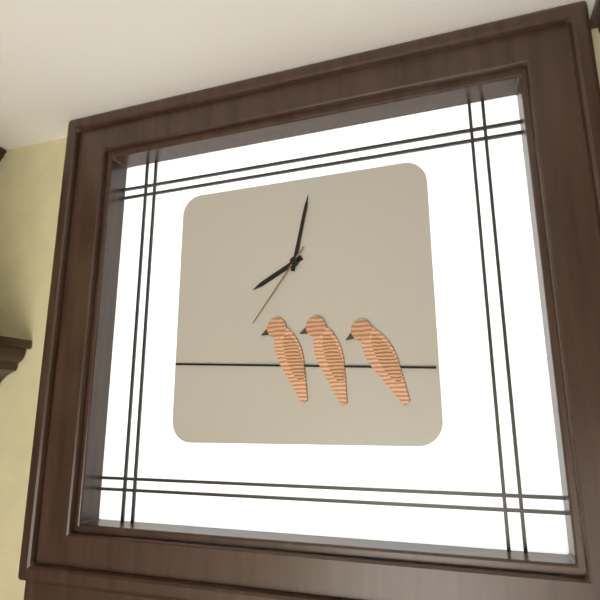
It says 8:02:36
